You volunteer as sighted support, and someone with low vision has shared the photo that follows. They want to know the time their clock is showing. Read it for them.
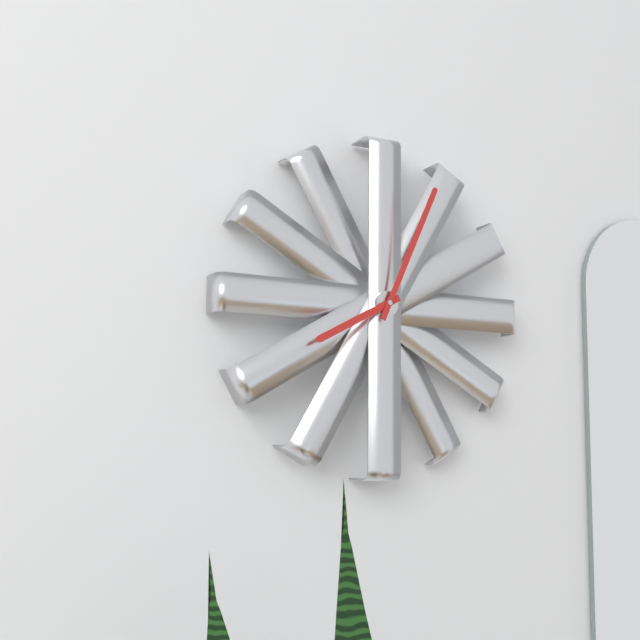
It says 8:04
